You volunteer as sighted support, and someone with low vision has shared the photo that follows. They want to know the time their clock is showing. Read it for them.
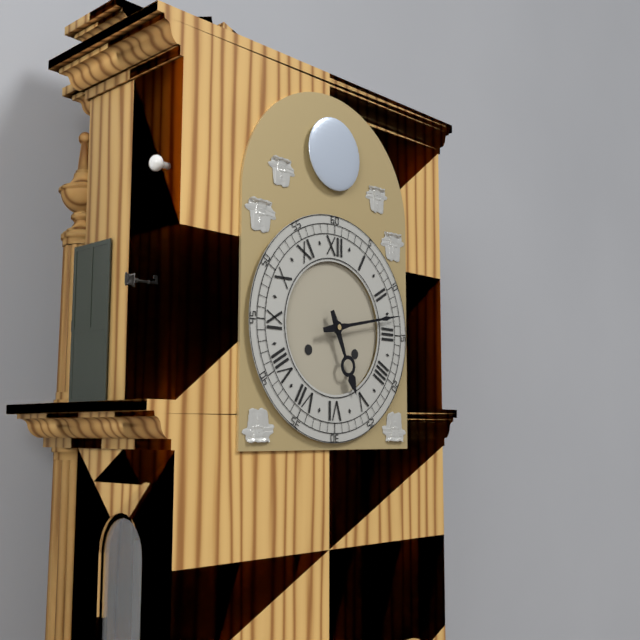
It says 5:13
